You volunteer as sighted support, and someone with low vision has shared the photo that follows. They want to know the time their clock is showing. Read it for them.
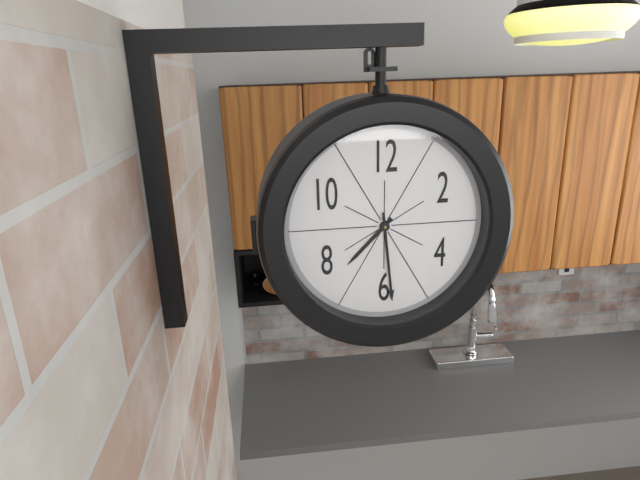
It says 7:29
